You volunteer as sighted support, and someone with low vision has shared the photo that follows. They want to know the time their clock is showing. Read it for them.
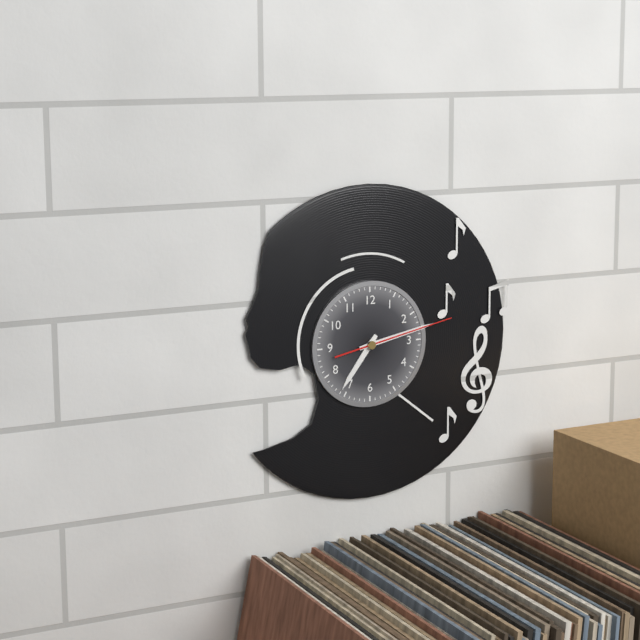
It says 7:13:13
